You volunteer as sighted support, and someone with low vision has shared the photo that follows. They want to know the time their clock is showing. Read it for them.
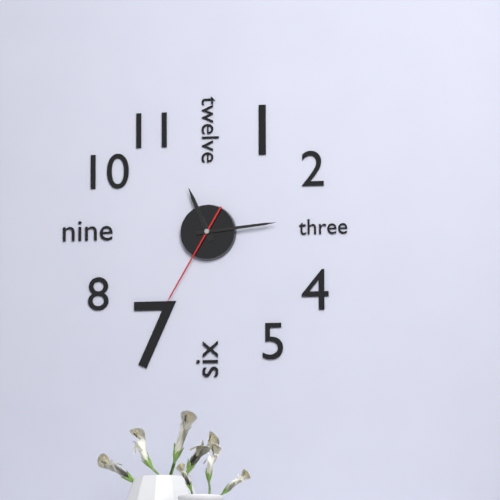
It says 11:14:35
